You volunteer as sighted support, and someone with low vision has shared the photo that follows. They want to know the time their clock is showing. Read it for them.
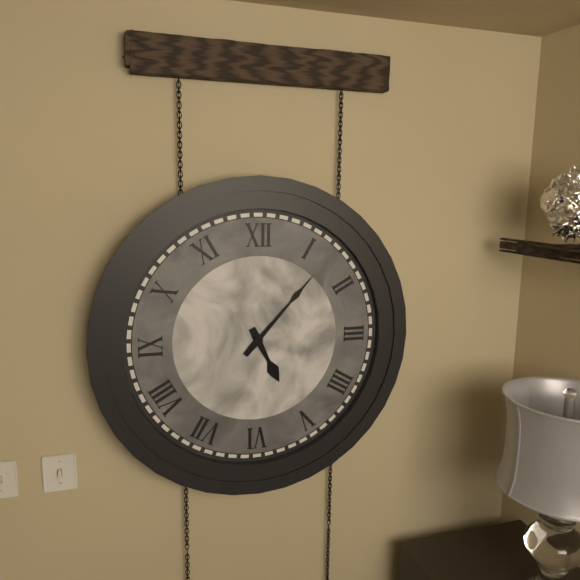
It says 5:07
